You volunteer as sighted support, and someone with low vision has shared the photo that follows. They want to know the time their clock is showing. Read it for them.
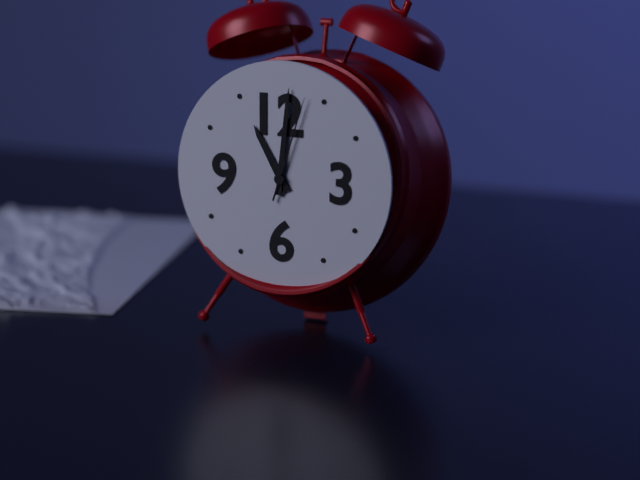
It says 11:01:03
